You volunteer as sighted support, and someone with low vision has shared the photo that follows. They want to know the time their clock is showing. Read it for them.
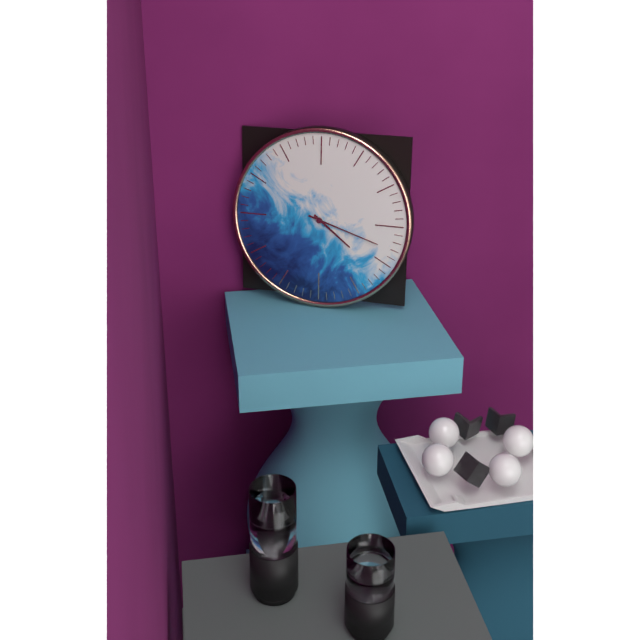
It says 4:18
